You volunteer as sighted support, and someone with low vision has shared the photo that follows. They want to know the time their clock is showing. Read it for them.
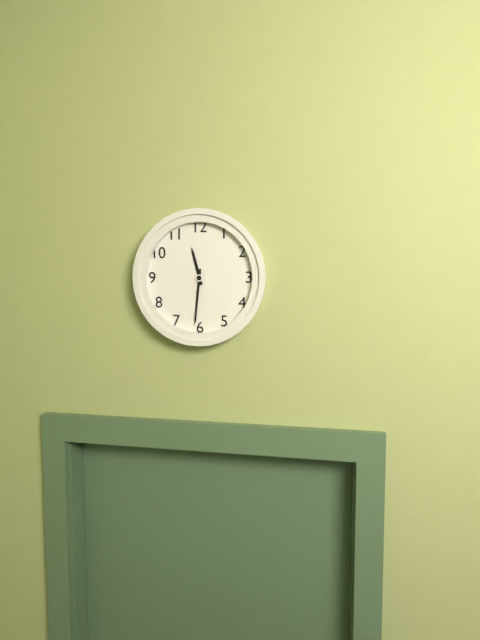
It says 11:31
